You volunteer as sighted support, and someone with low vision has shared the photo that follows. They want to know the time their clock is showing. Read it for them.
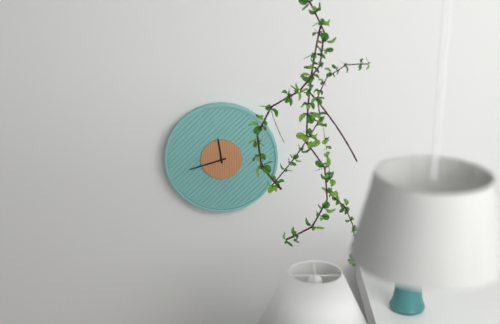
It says 11:42
